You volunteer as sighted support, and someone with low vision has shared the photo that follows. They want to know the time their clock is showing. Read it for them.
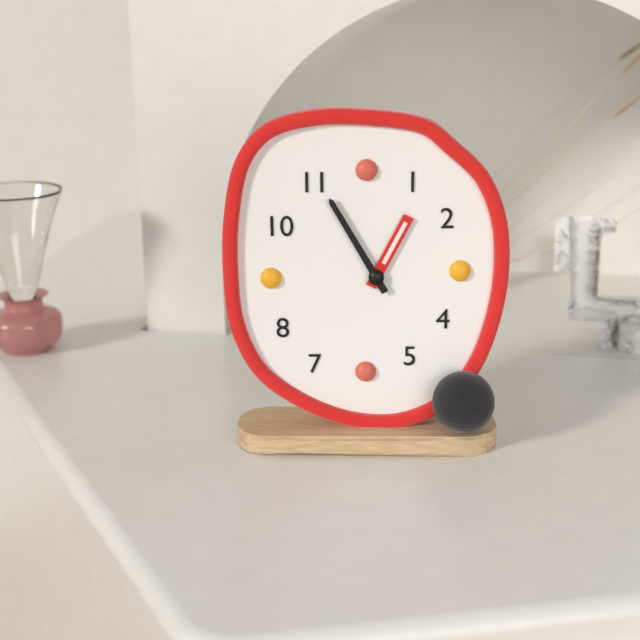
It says 12:55
